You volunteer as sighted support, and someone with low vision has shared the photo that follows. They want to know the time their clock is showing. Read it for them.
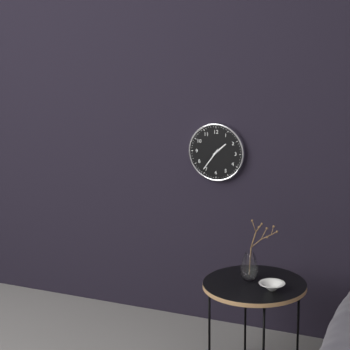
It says 1:36
